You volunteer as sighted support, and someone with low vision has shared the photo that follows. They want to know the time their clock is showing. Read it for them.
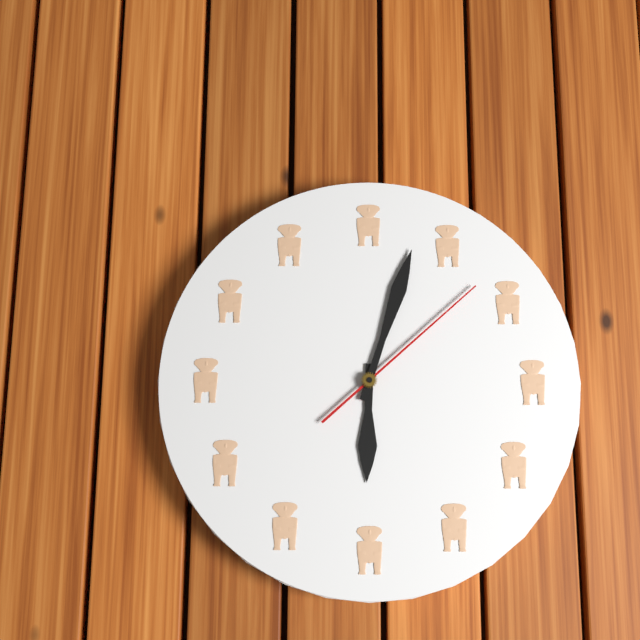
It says 6:03:08
